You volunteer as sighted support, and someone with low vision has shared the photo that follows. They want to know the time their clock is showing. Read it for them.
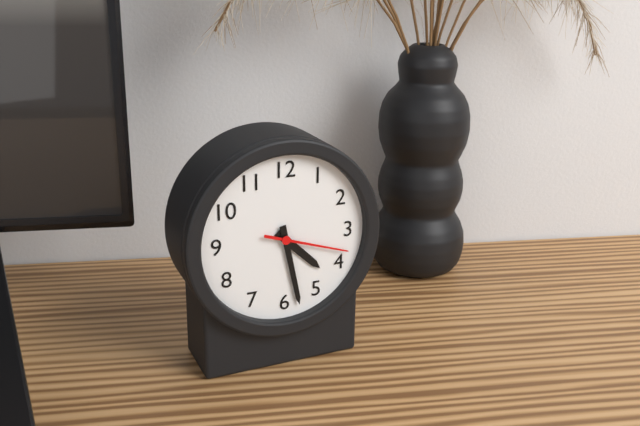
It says 4:28:18
